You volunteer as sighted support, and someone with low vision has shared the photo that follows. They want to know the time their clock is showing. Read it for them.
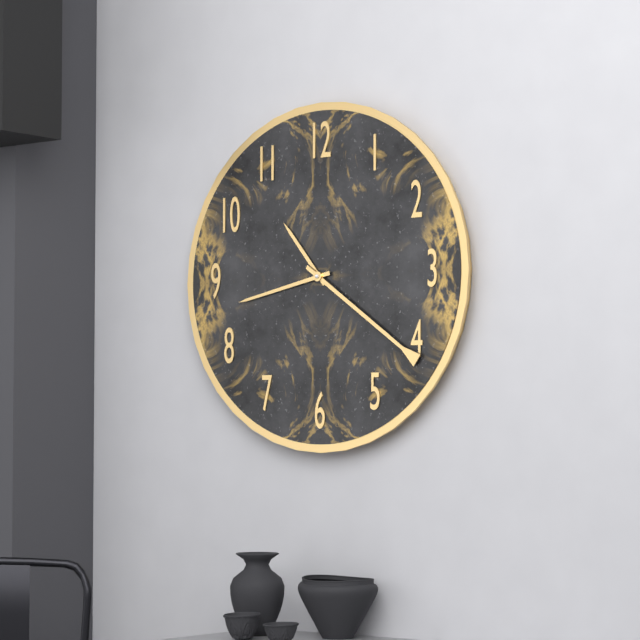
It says 10:43:21
